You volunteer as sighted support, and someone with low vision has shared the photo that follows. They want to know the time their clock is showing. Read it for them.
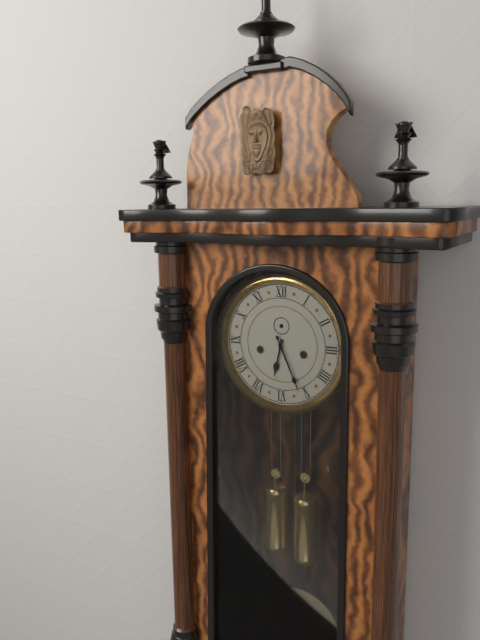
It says 6:26
